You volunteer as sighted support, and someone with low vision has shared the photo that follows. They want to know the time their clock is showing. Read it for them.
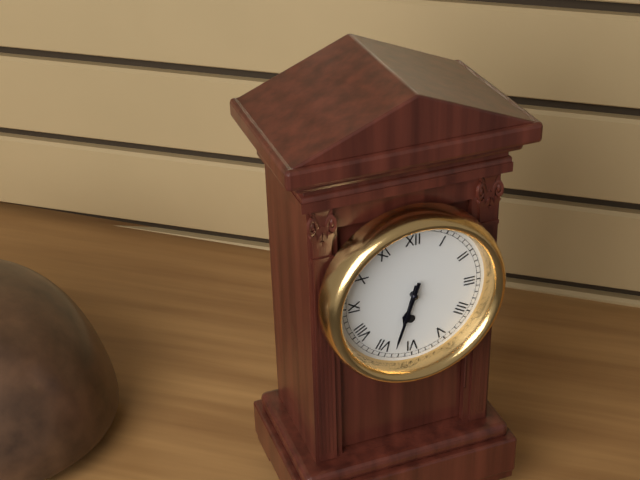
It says 6:33
